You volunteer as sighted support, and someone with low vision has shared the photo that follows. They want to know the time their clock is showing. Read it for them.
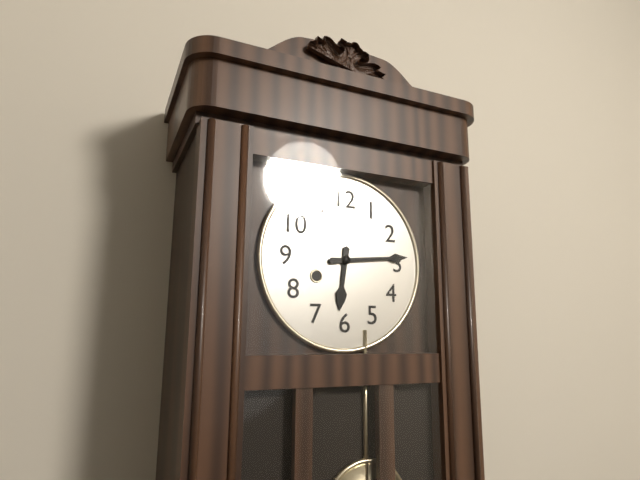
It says 6:14
